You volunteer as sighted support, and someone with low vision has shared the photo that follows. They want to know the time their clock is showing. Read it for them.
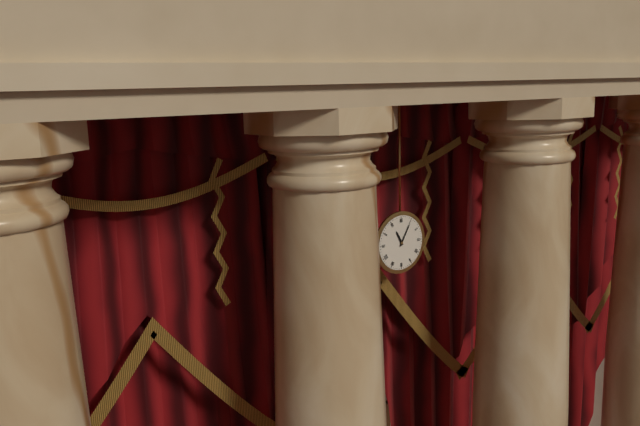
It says 11:05
